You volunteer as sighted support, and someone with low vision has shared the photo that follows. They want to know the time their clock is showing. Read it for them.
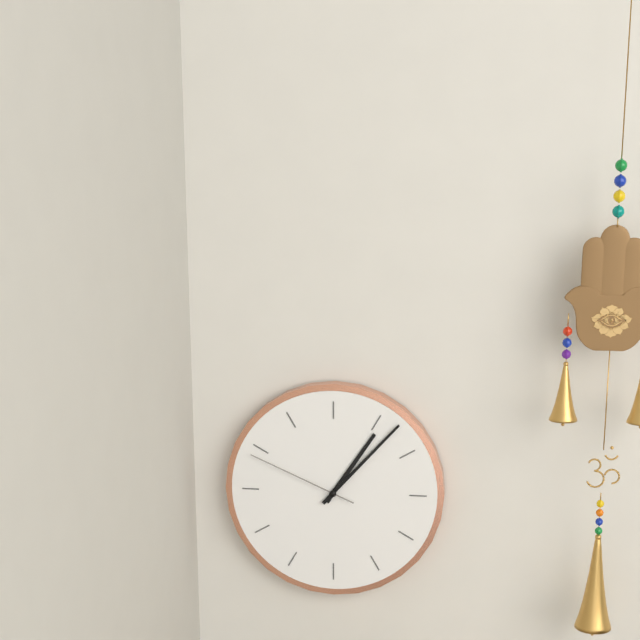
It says 1:07:49
